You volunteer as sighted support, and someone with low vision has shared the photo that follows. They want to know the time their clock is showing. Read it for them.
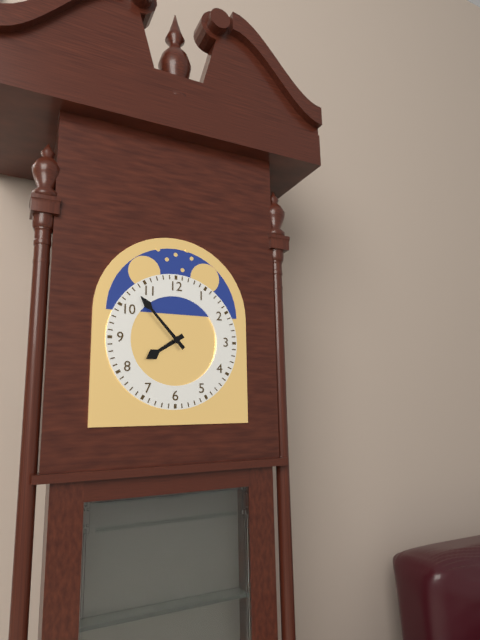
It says 7:53
